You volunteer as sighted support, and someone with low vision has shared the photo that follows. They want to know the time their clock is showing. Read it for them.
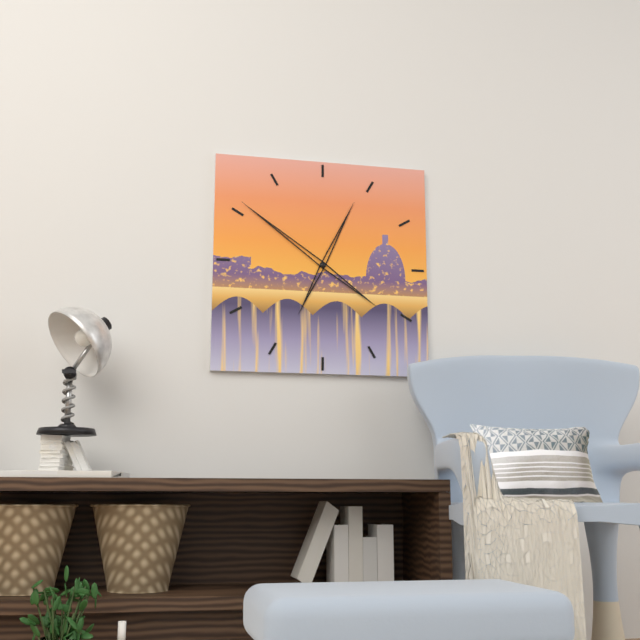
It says 12:51
